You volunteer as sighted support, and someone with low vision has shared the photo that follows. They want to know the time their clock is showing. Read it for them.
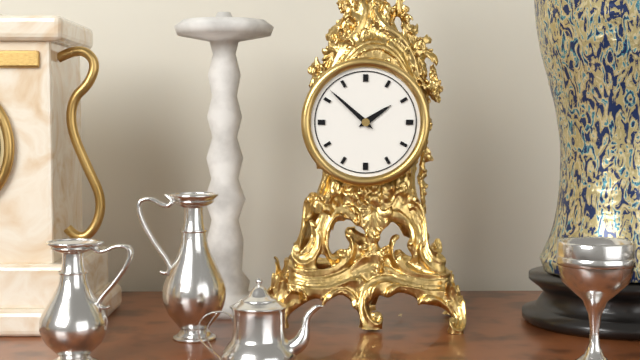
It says 1:52
